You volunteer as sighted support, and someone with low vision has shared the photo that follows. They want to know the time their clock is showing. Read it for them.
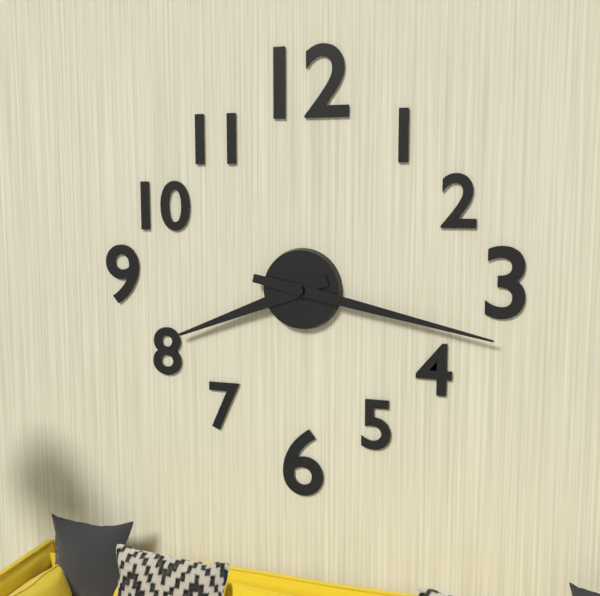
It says 8:17
